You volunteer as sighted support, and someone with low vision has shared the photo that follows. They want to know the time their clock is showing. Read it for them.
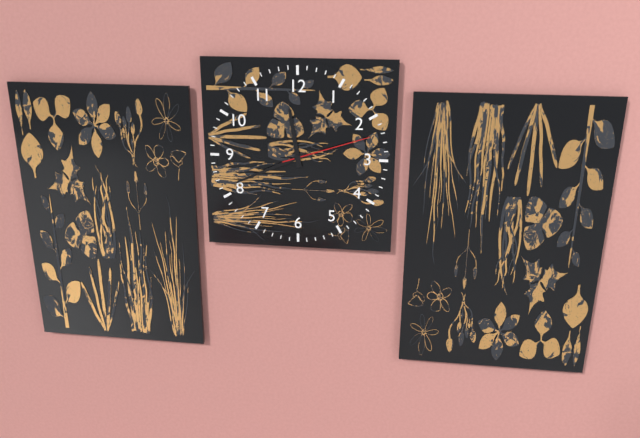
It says 11:41:12
